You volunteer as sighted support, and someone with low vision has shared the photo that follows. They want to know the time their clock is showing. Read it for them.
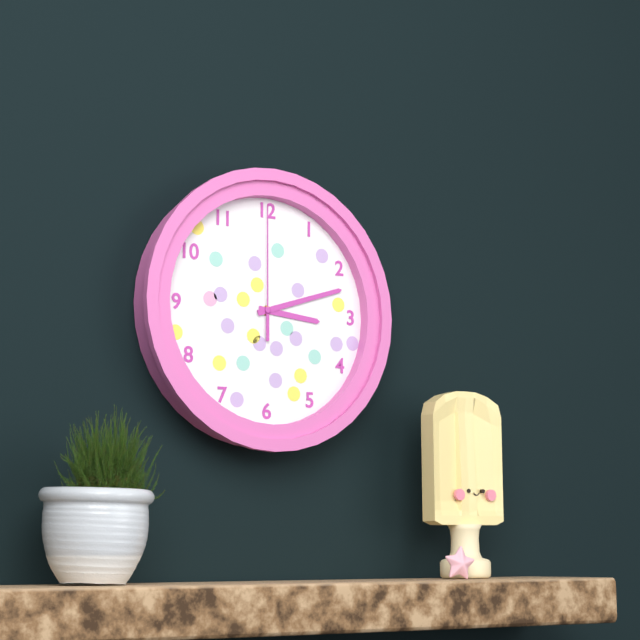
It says 3:12:00
